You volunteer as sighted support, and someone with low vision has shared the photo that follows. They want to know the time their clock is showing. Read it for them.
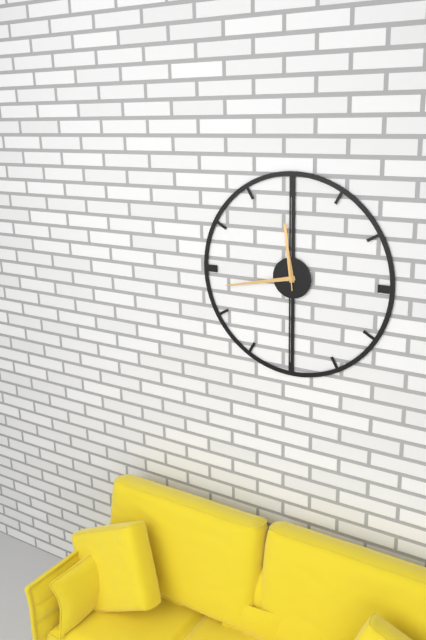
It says 11:43:59
